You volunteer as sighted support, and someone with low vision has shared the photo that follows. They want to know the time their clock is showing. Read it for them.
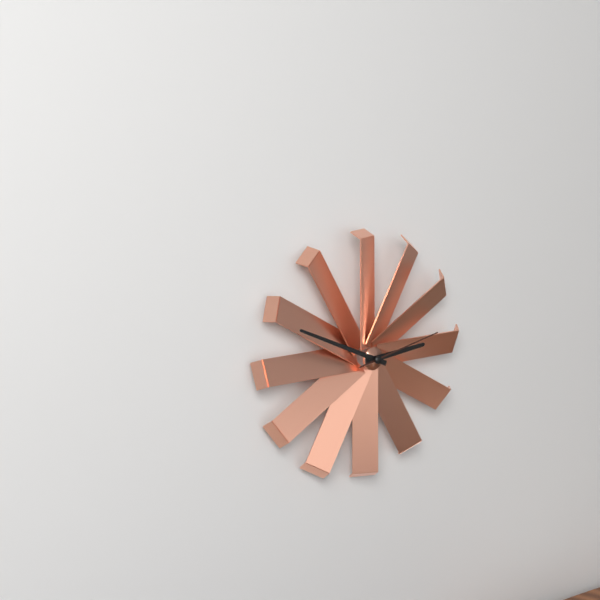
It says 2:49:13
